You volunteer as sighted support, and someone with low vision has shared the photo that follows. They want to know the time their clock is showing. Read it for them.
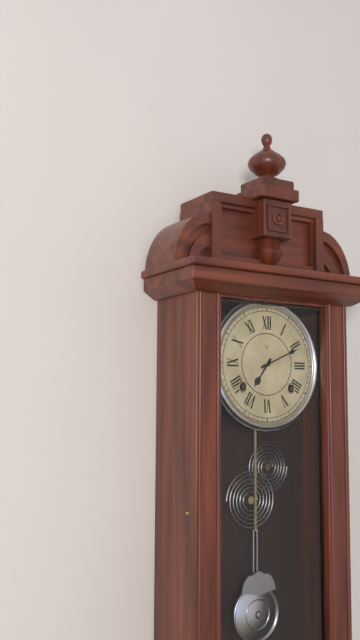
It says 7:11
